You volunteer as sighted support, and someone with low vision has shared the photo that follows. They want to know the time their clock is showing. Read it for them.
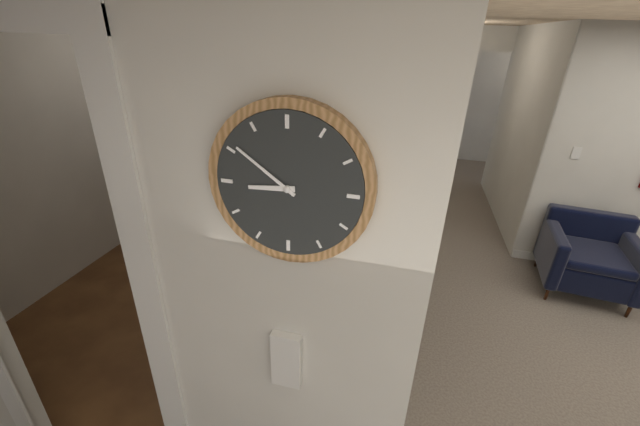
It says 8:51
